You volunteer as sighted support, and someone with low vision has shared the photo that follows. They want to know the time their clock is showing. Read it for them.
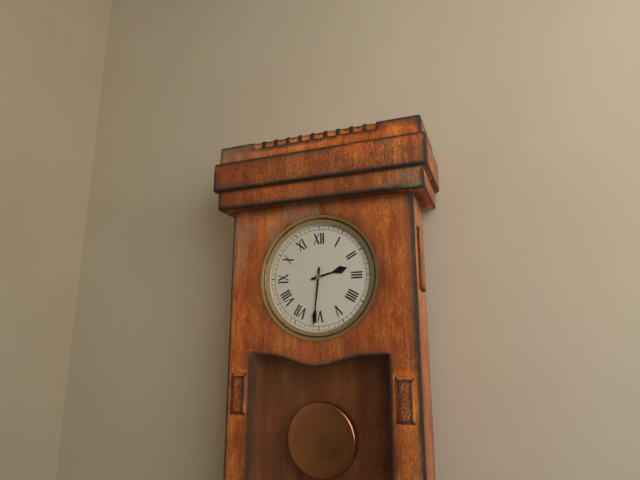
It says 2:31
